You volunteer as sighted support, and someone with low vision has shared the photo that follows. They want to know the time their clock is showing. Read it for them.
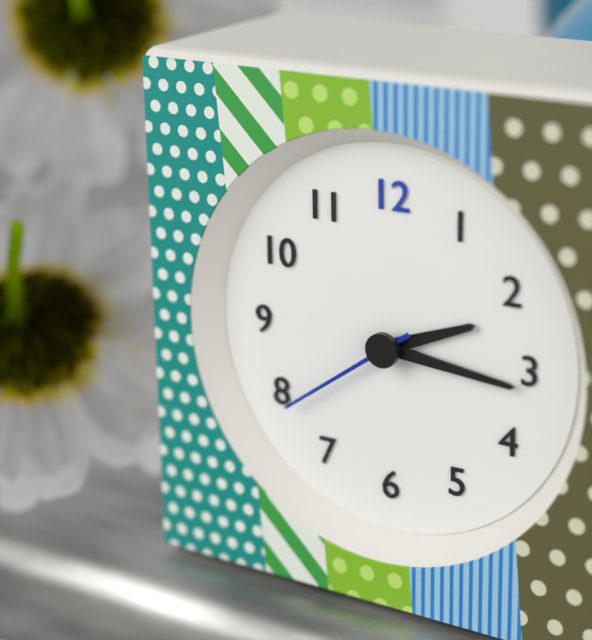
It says 2:16:39
